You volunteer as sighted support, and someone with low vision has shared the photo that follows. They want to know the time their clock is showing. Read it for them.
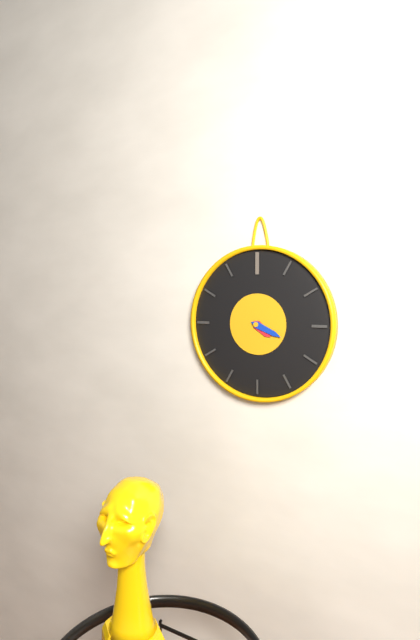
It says 4:19
